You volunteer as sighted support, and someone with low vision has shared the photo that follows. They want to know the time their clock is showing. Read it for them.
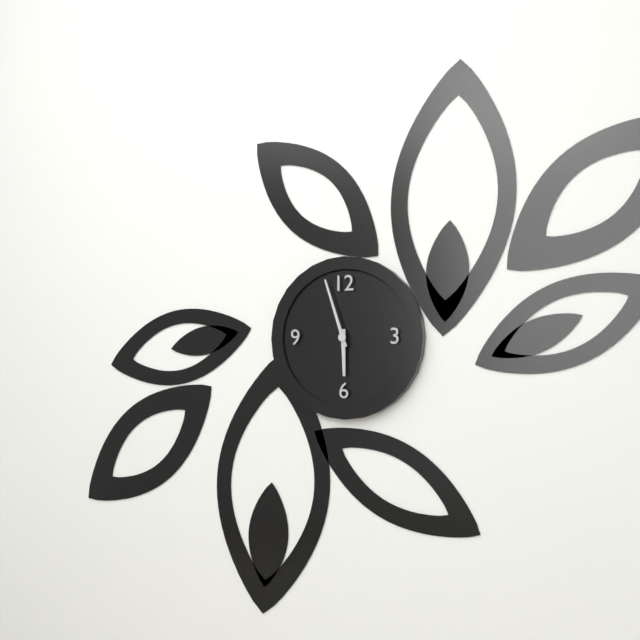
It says 5:57
